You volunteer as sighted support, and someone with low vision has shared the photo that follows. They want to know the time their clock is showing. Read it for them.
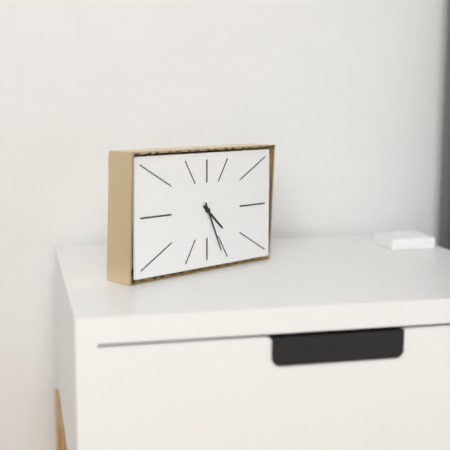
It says 4:26
